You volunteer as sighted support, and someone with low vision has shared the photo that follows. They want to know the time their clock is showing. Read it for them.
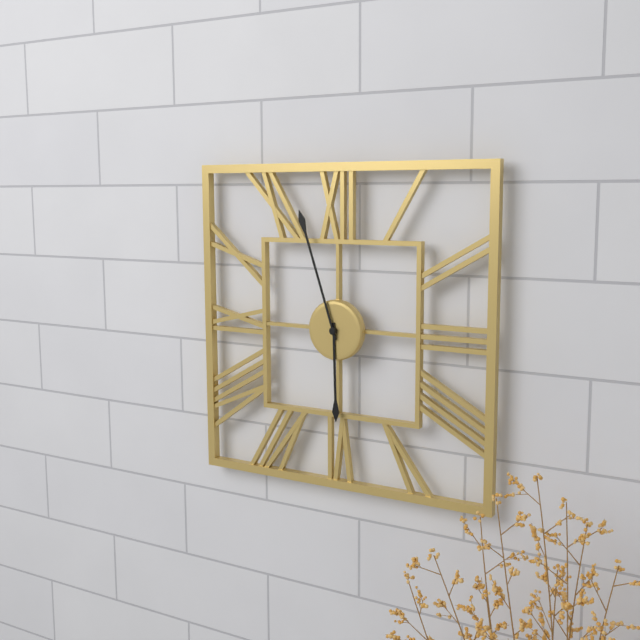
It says 5:57
